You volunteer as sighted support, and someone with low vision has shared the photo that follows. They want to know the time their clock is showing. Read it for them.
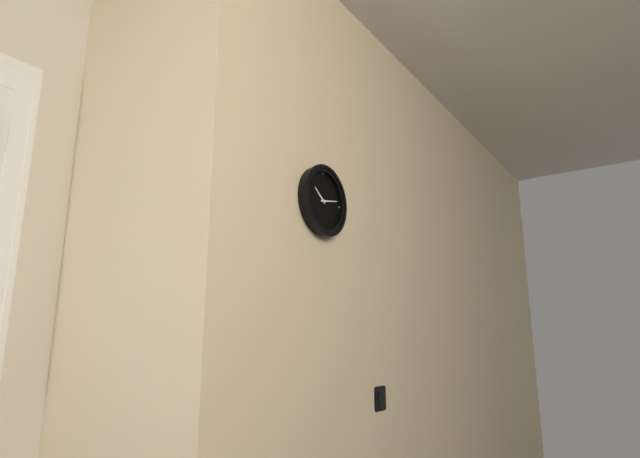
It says 10:13
